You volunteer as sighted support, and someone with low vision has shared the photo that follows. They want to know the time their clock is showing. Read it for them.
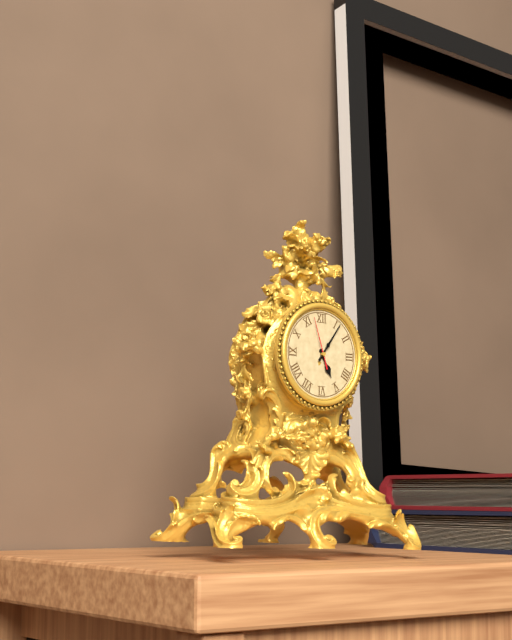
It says 5:06
